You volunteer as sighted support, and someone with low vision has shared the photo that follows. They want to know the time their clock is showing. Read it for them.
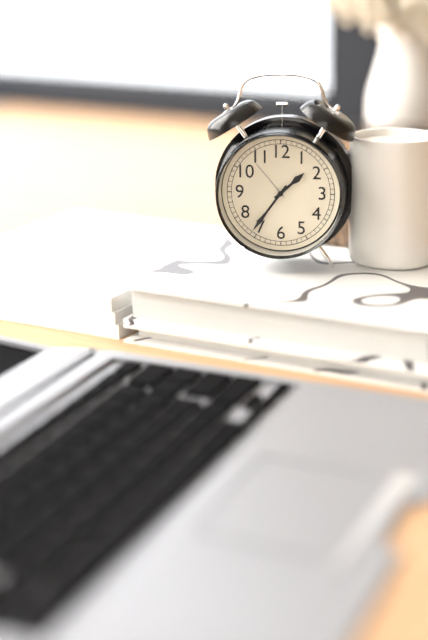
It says 1:36
